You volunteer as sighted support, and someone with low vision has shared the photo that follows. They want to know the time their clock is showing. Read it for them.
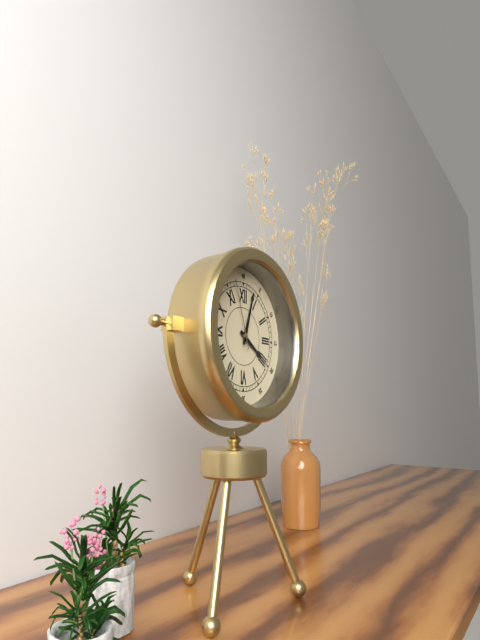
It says 4:03:57
